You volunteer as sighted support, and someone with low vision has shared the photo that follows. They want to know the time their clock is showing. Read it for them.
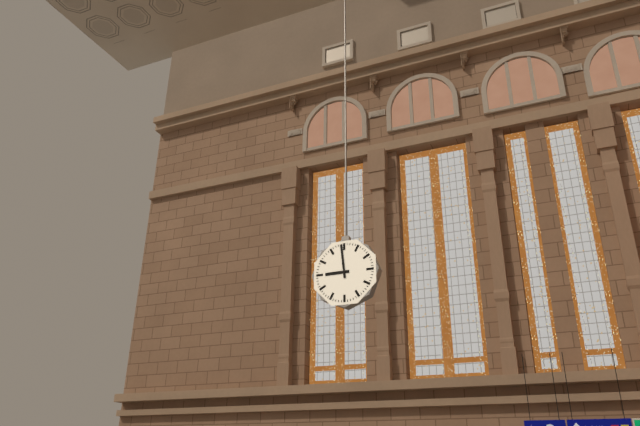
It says 8:59
